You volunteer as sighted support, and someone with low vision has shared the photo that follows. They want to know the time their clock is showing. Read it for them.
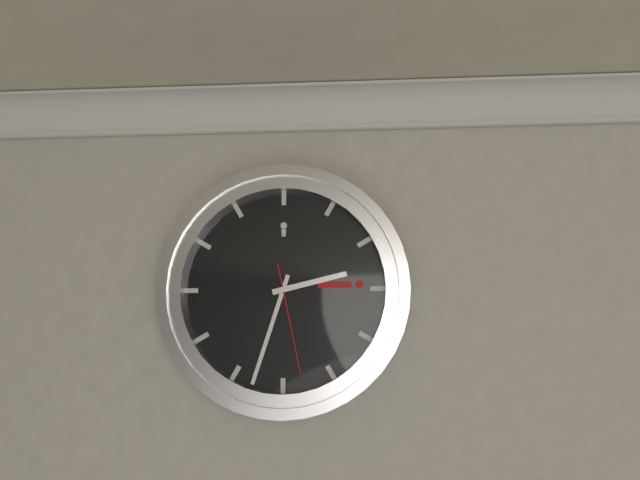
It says 2:33:28
